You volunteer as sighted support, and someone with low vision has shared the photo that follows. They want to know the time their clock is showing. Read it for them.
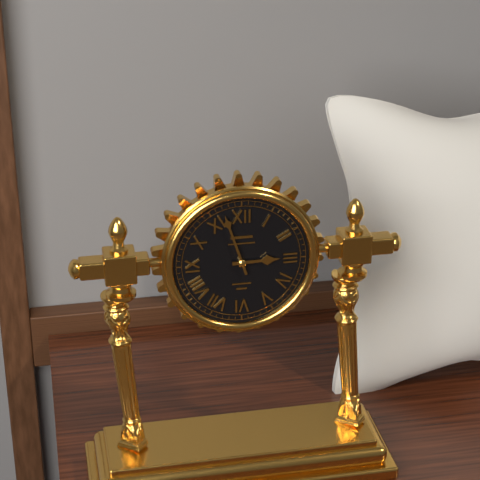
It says 2:57
